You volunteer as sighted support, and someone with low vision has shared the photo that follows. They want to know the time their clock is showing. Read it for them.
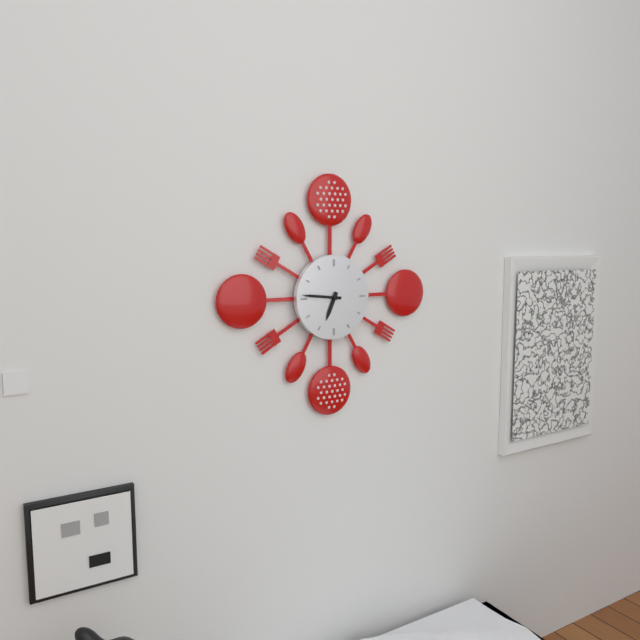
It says 6:46
